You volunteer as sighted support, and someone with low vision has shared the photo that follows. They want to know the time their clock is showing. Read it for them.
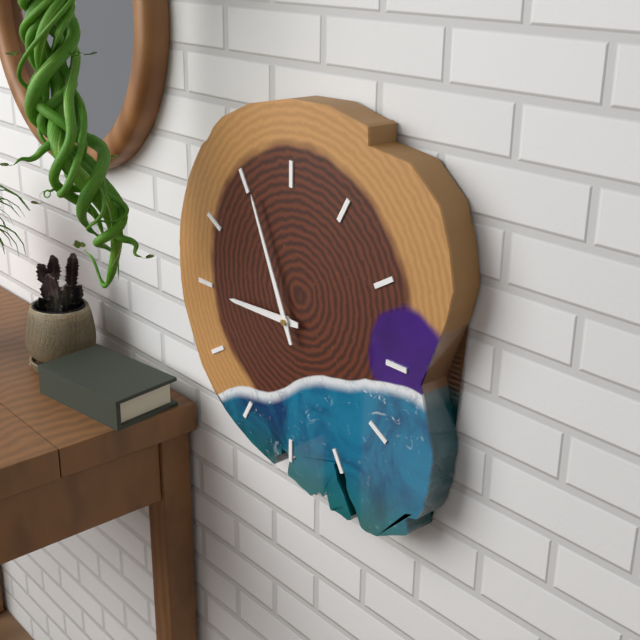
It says 8:56
